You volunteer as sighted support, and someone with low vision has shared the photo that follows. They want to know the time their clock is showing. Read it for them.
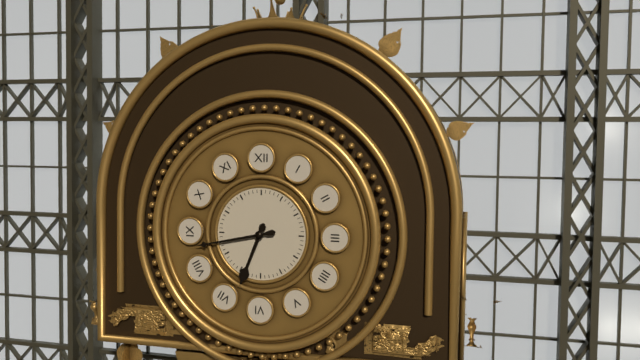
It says 6:43
